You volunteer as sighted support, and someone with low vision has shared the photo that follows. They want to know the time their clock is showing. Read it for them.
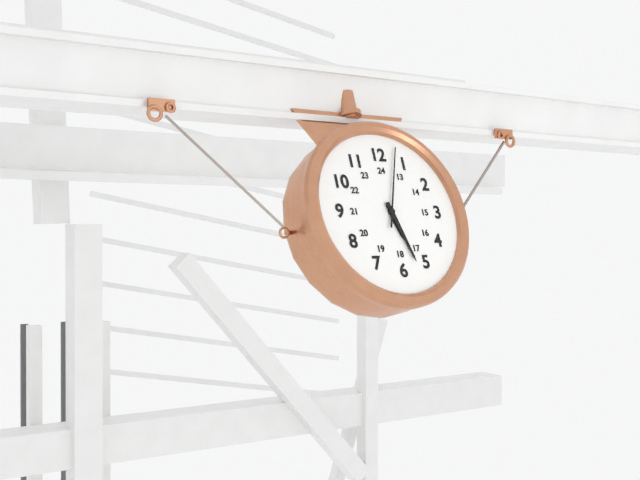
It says 5:27:03
